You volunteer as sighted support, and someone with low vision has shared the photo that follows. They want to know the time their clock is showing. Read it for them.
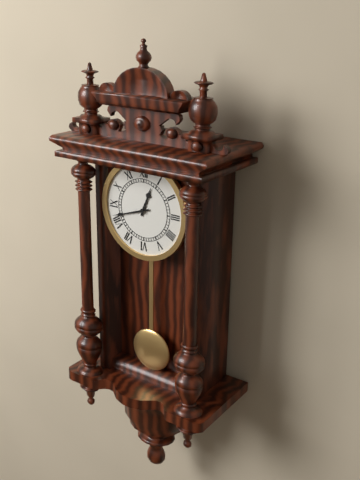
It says 12:42
